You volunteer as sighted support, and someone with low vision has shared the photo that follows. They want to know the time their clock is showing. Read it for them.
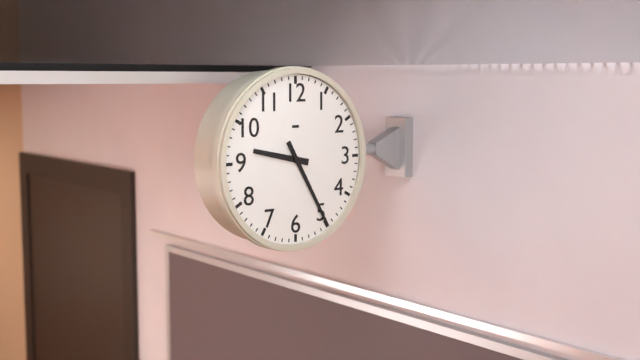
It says 9:25
